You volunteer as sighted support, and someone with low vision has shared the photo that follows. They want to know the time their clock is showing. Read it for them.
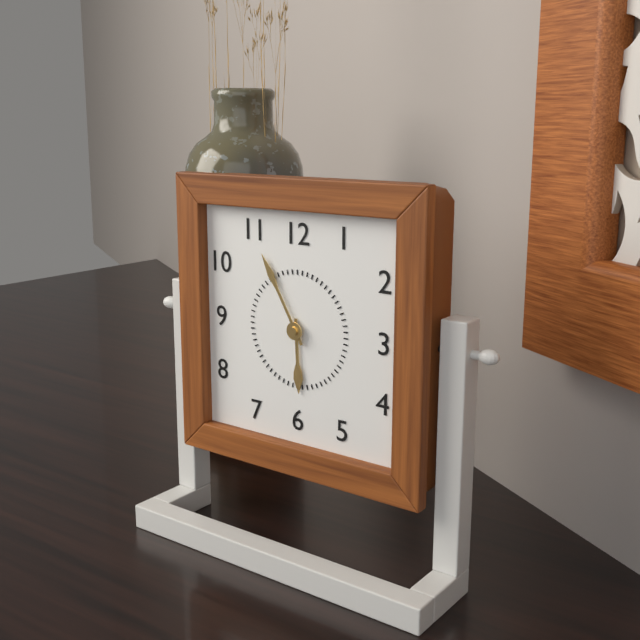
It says 5:55
